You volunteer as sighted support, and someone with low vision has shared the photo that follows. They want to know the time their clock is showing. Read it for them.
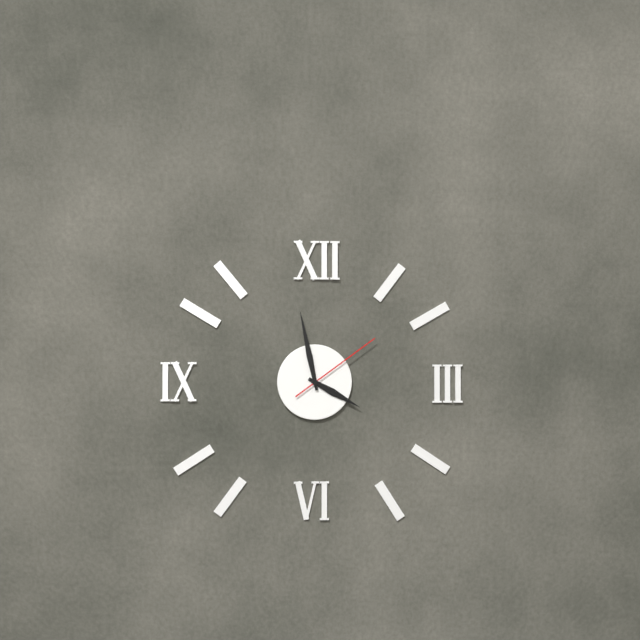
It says 3:58:09
